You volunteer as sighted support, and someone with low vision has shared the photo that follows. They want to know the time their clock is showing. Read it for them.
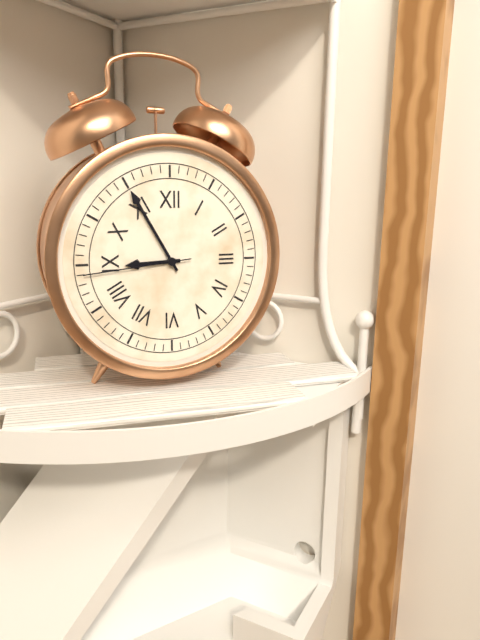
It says 8:55:44
